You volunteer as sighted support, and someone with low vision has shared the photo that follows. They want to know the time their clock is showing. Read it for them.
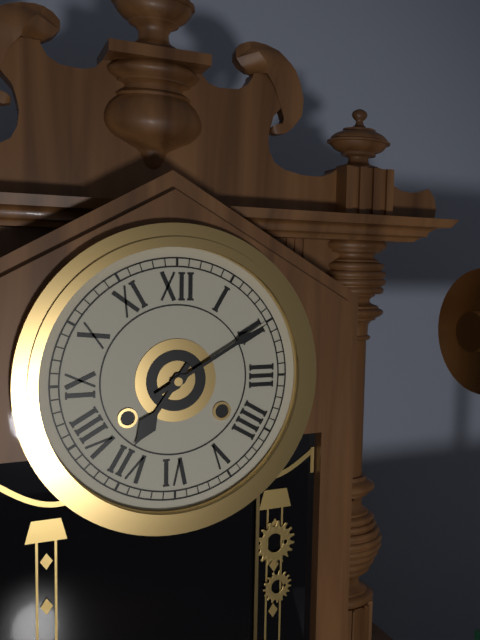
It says 7:10
